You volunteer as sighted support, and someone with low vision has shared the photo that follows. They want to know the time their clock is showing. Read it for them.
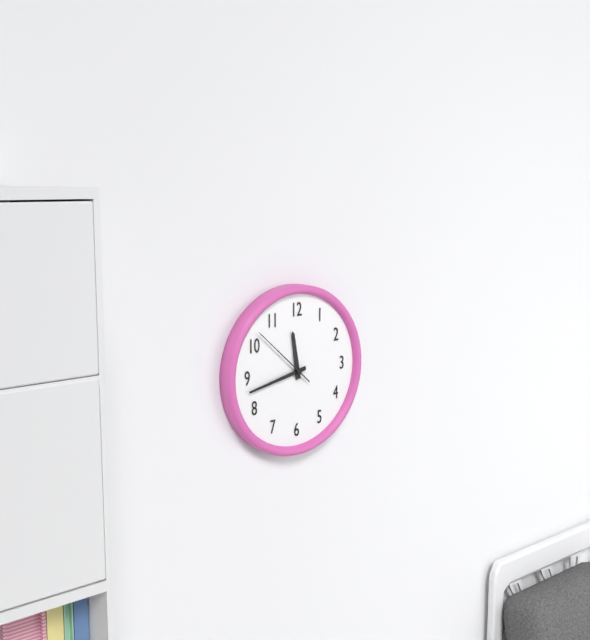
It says 11:43:52
